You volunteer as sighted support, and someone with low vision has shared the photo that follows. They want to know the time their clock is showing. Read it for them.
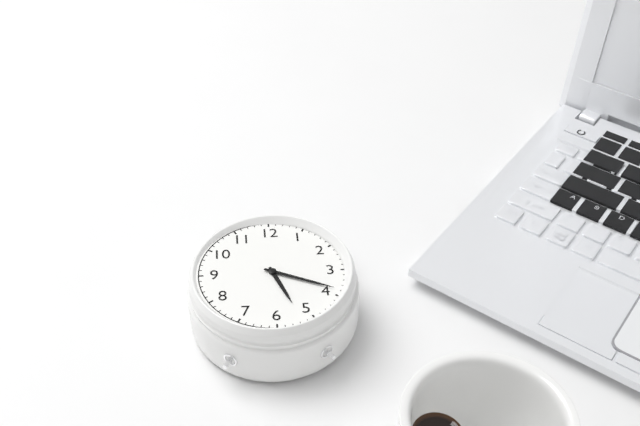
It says 5:19
